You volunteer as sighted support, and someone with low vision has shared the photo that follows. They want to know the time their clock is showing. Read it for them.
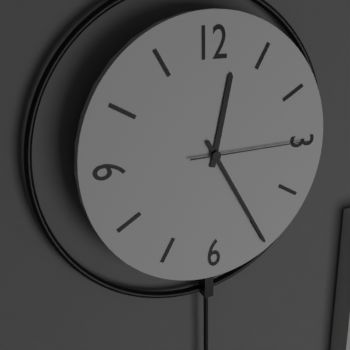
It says 12:25:15
